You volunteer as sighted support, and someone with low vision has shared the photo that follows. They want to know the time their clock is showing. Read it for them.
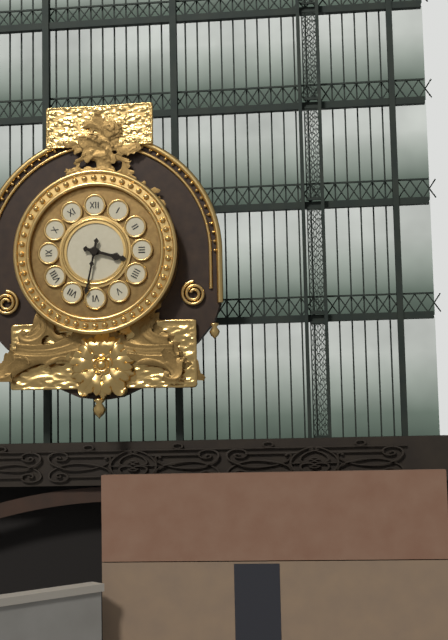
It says 3:32
